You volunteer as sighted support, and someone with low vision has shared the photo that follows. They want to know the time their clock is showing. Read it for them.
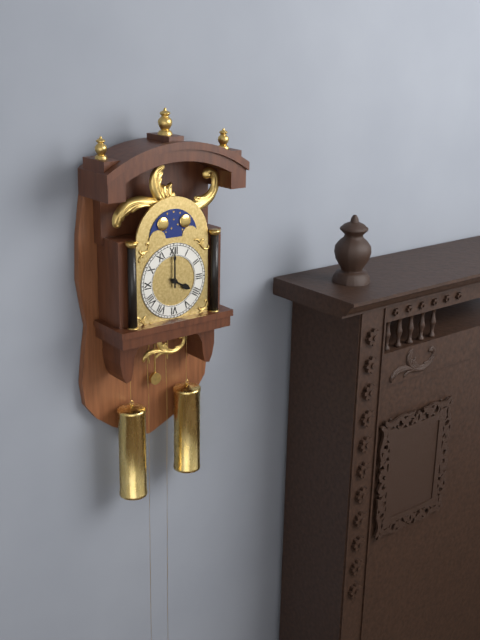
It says 4:00
